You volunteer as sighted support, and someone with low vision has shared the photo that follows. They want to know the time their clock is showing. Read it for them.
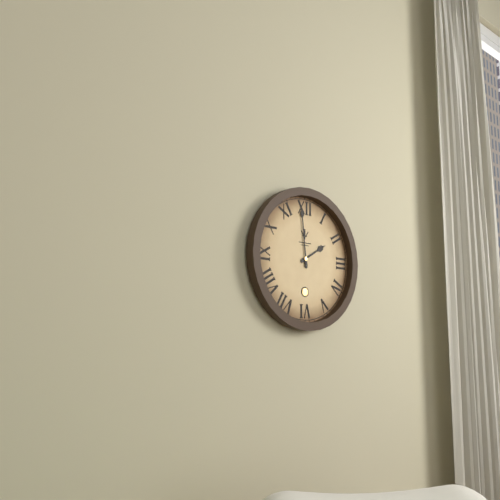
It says 1:59
